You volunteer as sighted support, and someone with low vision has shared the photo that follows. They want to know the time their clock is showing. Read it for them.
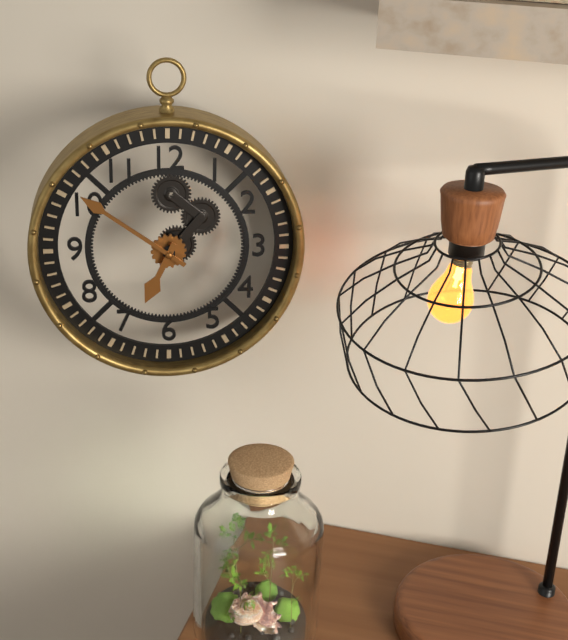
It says 6:51
